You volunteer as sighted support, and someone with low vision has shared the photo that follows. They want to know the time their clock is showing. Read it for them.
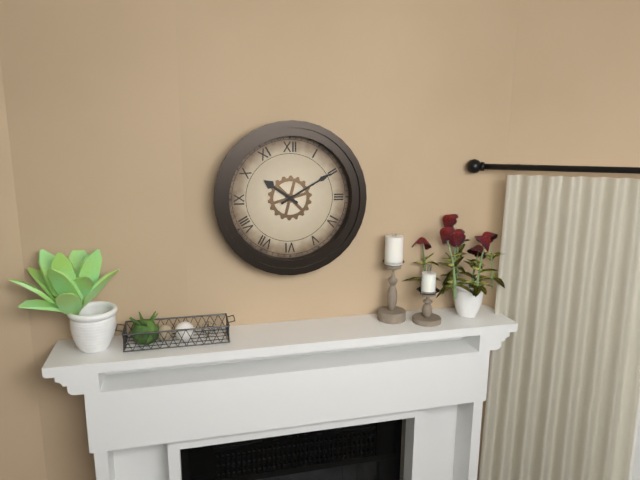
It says 10:10
